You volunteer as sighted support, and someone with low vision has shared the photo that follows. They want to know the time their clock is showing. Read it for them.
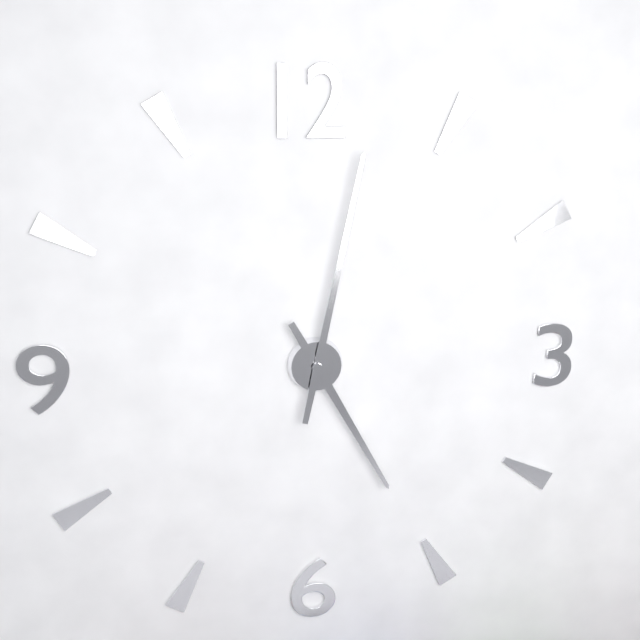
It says 5:02
